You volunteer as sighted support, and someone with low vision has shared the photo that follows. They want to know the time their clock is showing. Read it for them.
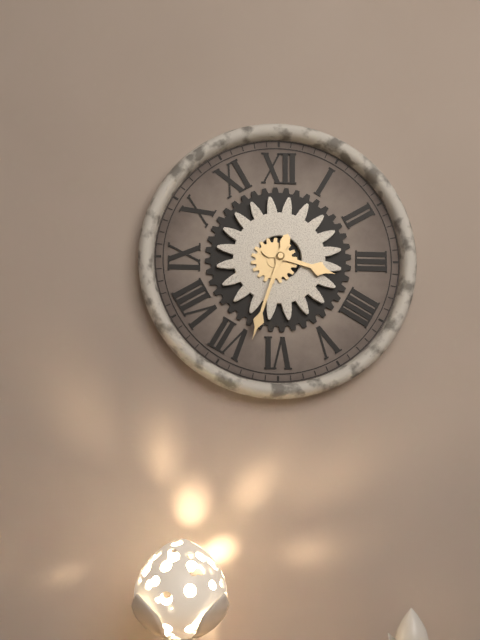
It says 3:33
